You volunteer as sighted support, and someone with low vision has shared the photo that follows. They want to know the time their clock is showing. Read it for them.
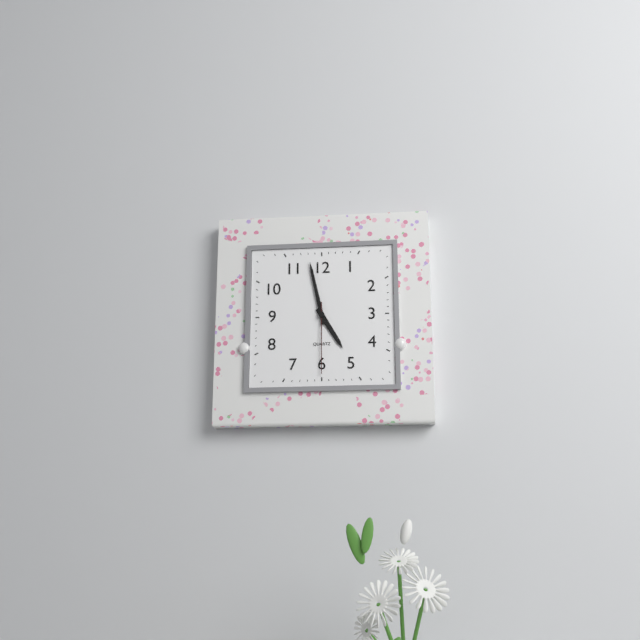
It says 4:58:30
